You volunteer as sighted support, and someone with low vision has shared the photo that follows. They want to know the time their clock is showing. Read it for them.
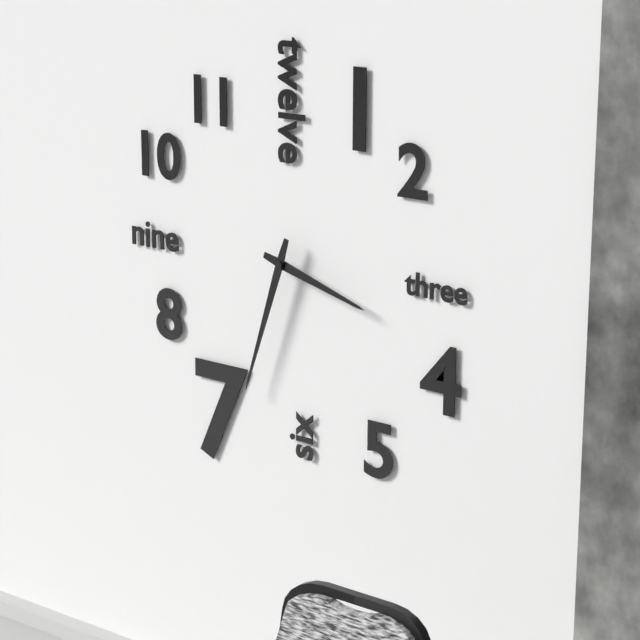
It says 3:33
